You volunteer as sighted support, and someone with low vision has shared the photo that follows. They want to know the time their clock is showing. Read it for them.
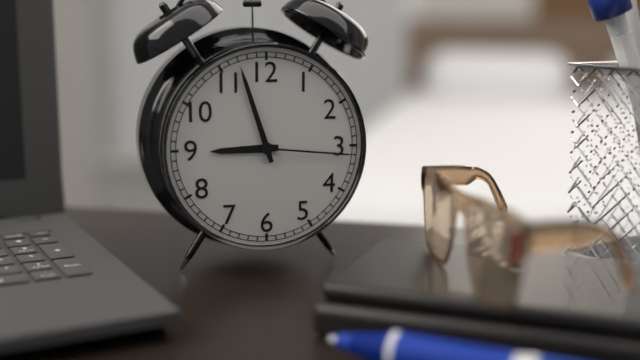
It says 8:57:16
